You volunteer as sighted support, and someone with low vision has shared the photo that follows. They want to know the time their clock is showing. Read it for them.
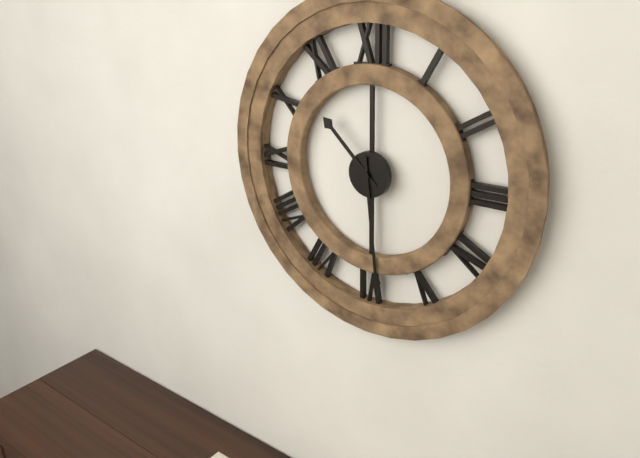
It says 10:29
